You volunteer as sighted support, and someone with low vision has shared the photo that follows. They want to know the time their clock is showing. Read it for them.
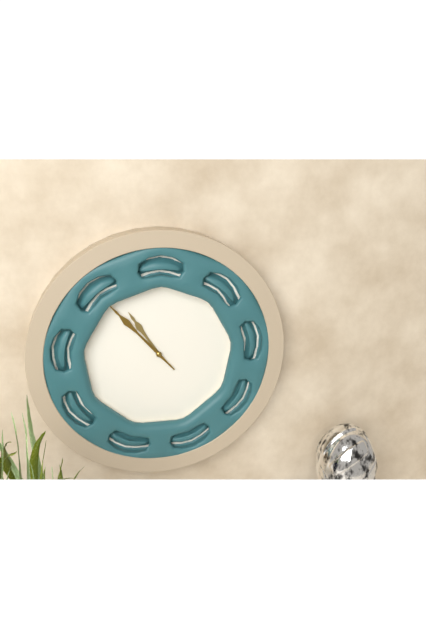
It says 10:53
